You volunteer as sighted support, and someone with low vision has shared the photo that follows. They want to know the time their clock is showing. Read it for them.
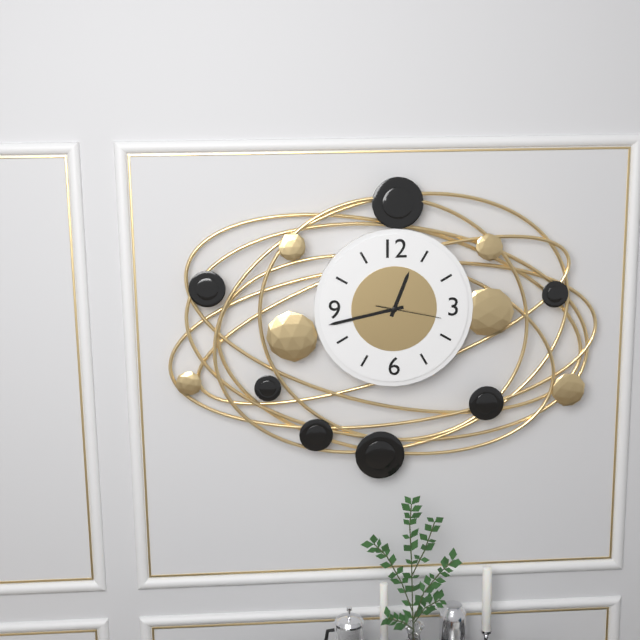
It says 12:43:17
